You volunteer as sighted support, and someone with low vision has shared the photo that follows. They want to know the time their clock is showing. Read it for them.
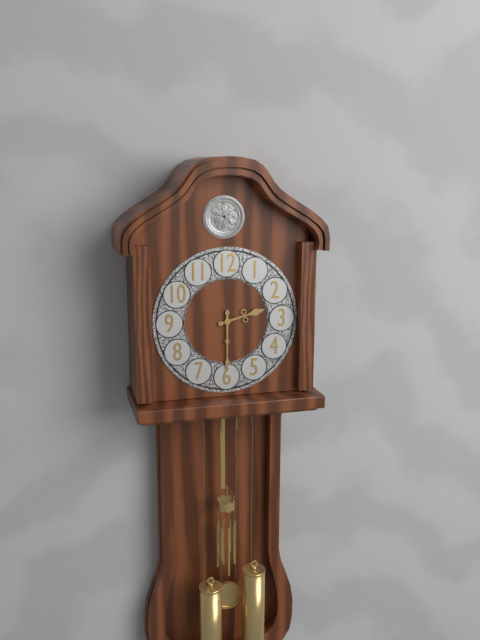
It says 2:30
